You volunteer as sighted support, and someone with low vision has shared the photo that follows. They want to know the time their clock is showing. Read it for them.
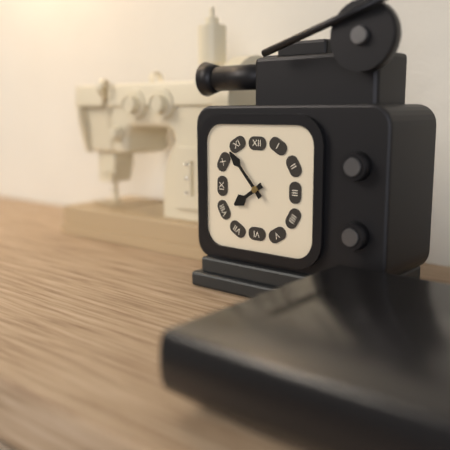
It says 7:53
